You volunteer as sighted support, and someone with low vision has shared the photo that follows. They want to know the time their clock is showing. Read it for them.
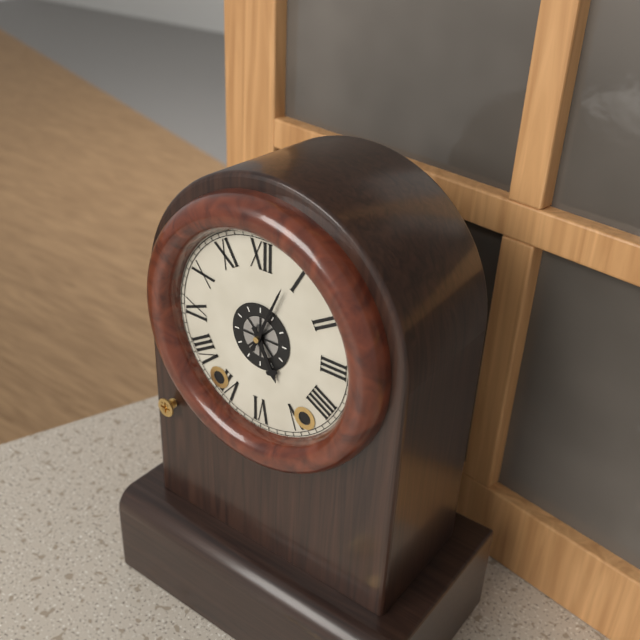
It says 5:04
